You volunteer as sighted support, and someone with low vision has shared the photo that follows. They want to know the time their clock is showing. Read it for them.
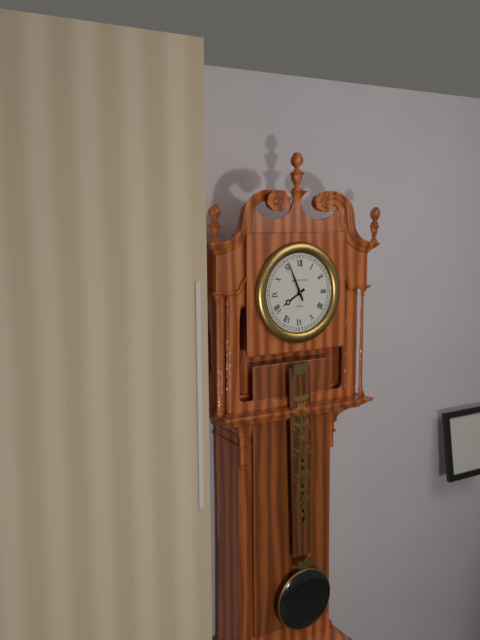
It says 7:56
